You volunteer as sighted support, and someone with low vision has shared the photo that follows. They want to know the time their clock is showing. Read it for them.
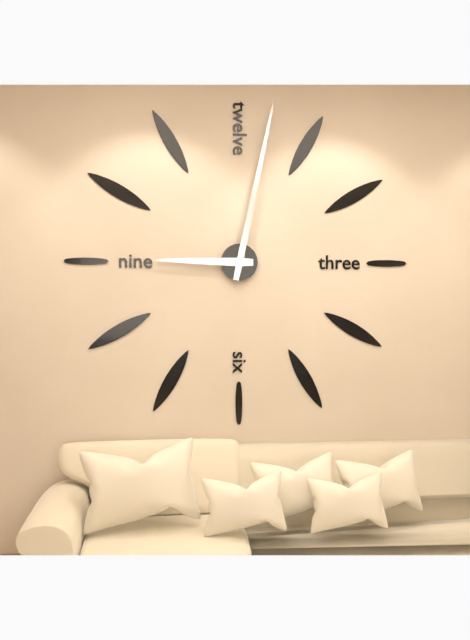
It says 9:02
